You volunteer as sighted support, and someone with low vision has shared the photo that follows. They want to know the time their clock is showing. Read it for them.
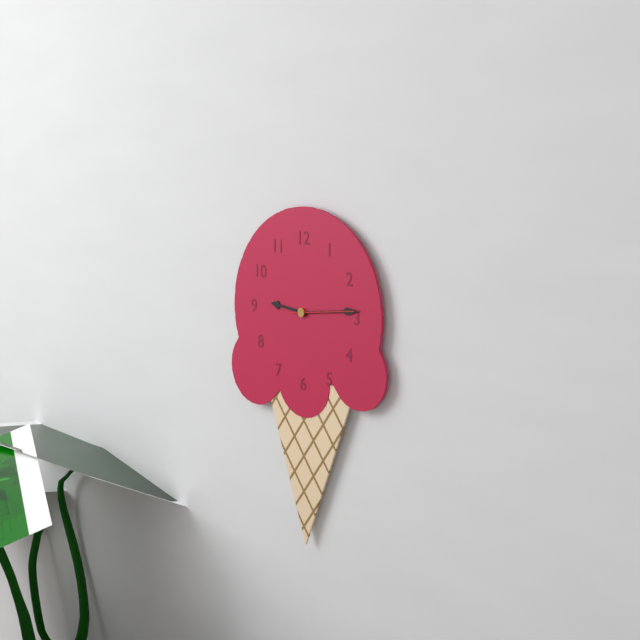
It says 9:14:14
